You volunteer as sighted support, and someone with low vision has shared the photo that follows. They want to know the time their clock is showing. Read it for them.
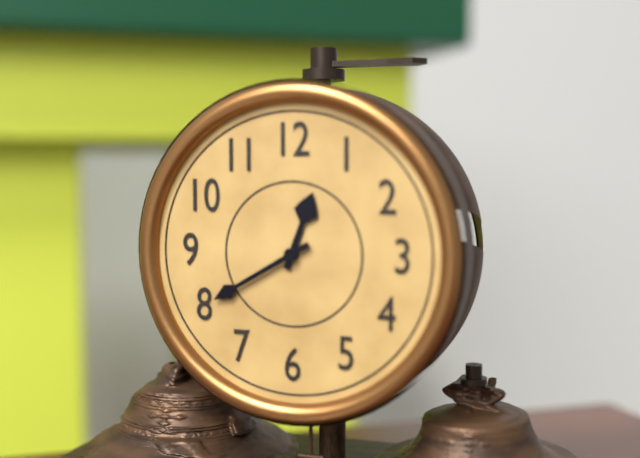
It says 12:40
